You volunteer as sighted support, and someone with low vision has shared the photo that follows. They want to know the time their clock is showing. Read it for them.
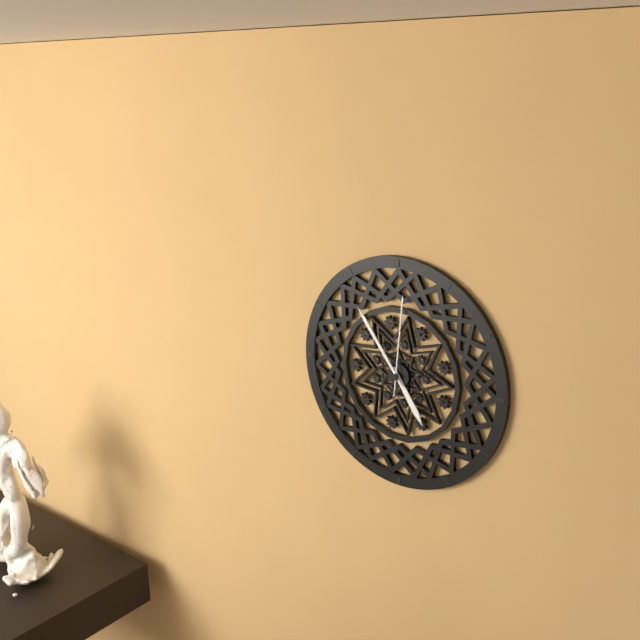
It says 4:54:01
